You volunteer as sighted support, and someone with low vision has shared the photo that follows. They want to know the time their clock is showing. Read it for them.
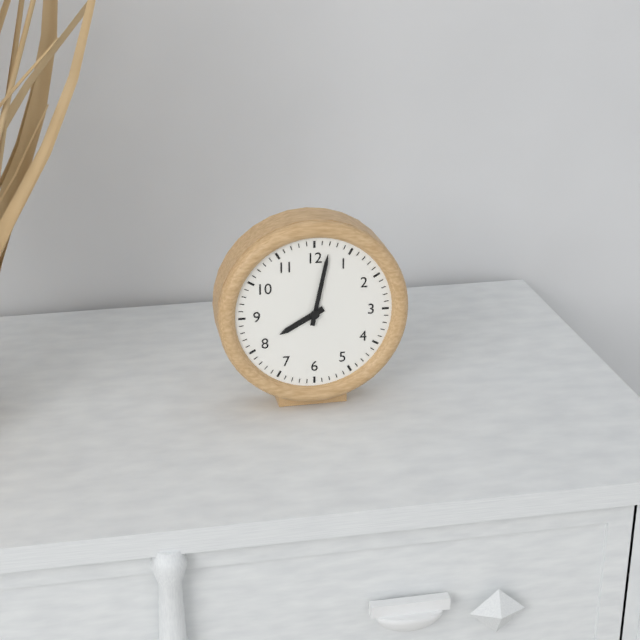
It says 8:02
